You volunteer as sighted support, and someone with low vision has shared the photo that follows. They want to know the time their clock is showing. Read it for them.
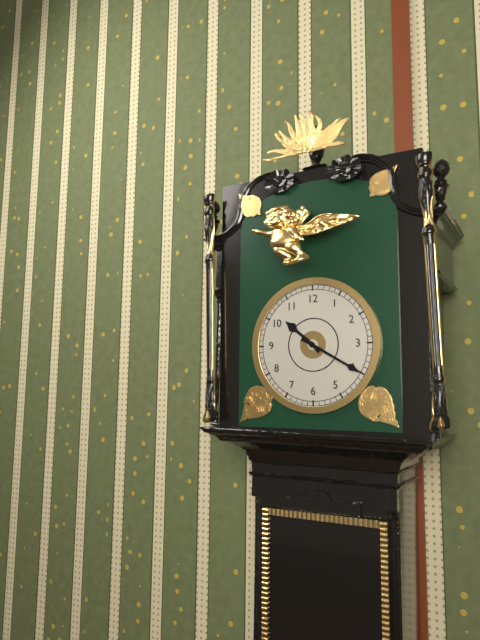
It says 10:20
